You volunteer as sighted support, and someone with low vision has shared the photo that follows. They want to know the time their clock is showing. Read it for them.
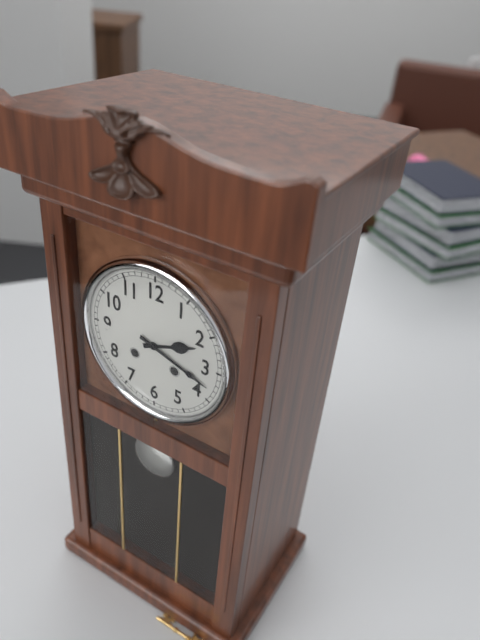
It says 2:18
